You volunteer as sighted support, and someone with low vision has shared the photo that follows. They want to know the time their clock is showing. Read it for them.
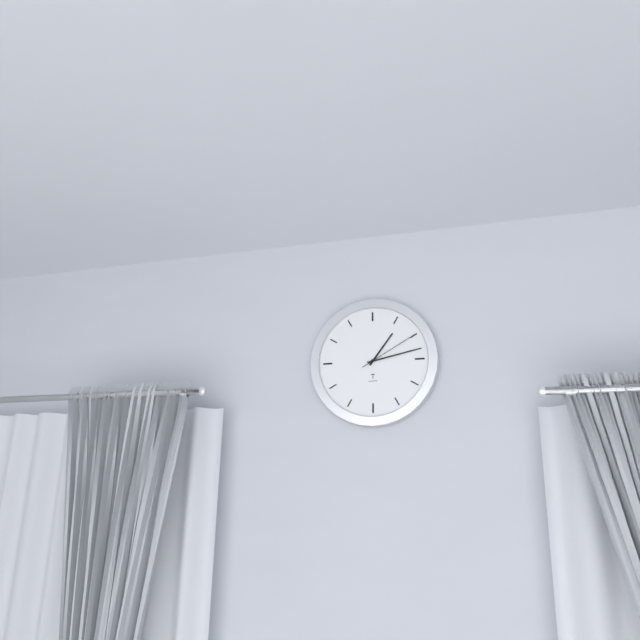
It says 1:13:10
